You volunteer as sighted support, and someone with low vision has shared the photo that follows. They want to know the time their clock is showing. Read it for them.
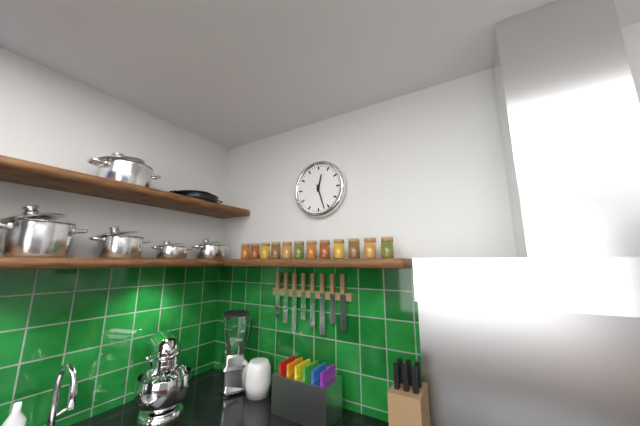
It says 12:27
